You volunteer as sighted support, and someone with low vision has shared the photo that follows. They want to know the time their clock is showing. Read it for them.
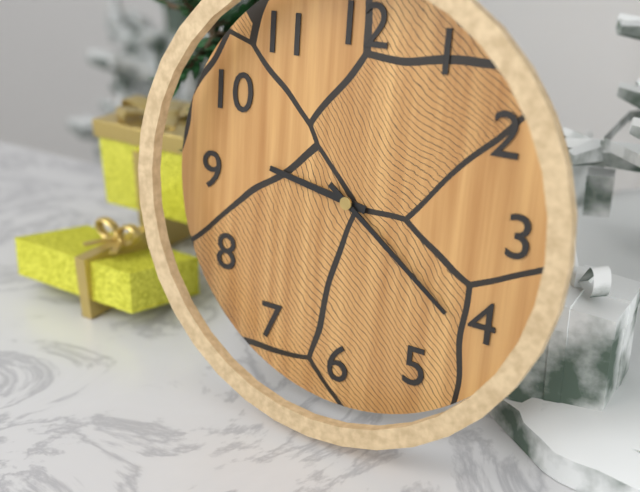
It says 9:21
